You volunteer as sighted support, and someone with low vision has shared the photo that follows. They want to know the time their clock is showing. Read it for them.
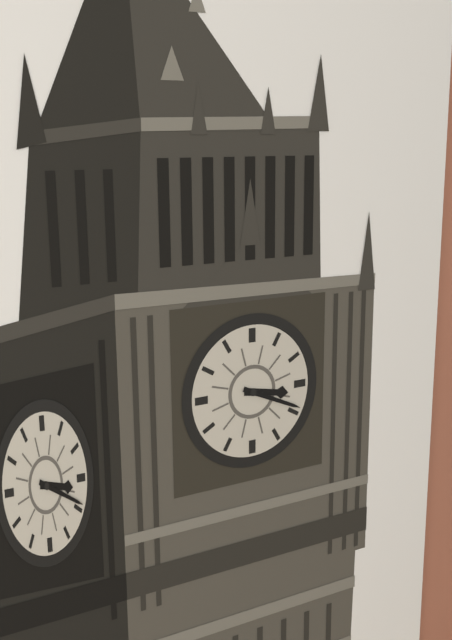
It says 3:19
